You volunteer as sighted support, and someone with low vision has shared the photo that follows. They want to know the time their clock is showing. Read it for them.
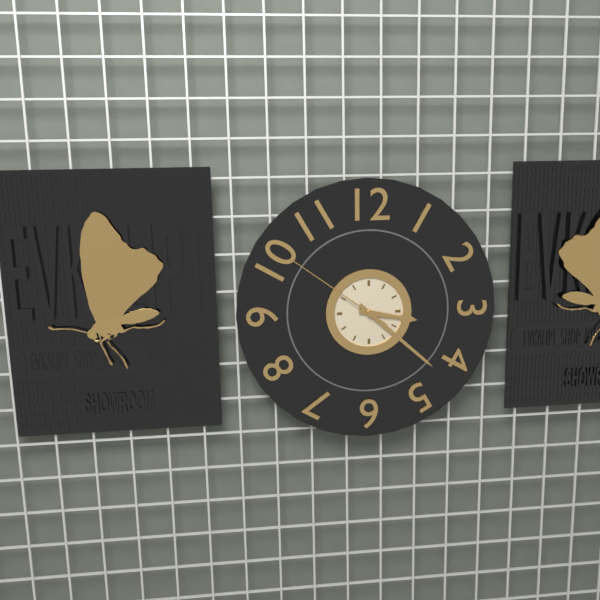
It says 3:22:51
